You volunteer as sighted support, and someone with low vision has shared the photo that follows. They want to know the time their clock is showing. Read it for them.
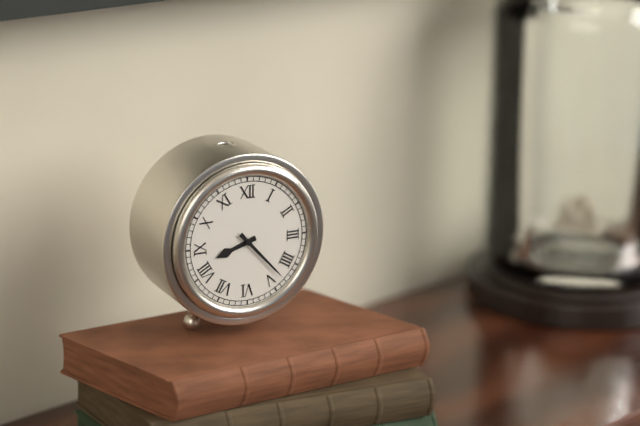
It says 8:23
